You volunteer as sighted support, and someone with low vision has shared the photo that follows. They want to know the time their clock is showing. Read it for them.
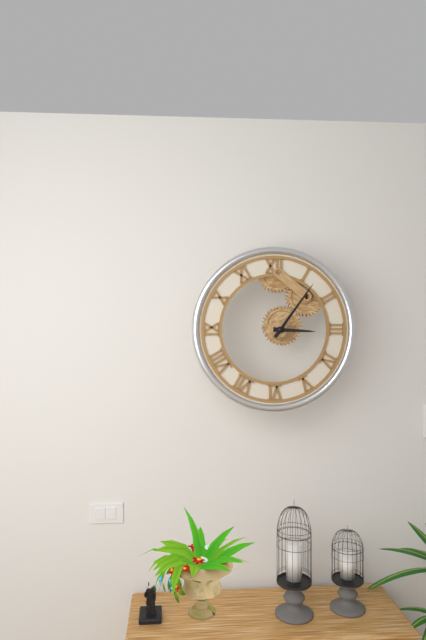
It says 3:06
